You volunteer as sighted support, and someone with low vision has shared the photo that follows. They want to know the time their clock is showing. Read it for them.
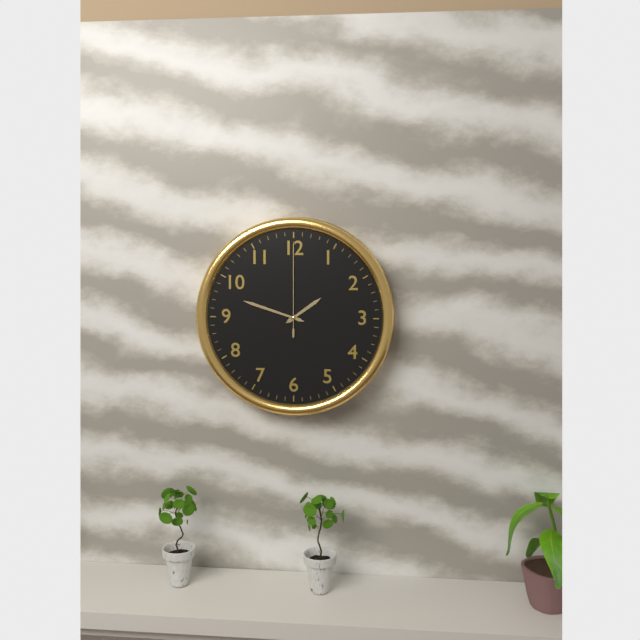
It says 1:48:00
